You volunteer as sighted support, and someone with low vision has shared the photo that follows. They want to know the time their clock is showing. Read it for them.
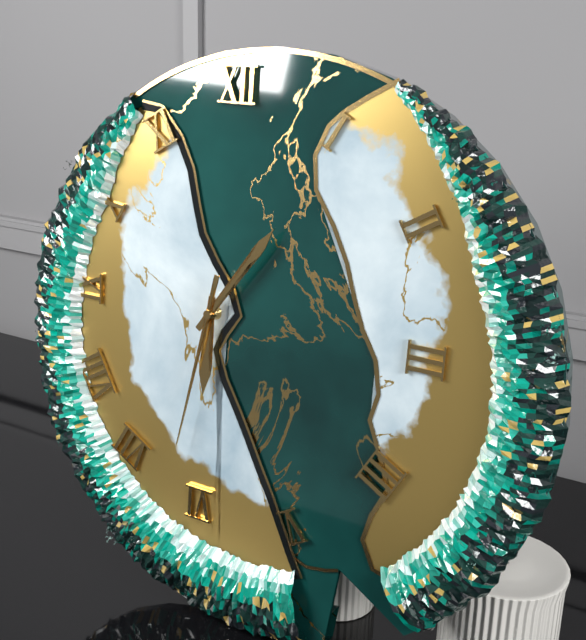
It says 6:06:32
